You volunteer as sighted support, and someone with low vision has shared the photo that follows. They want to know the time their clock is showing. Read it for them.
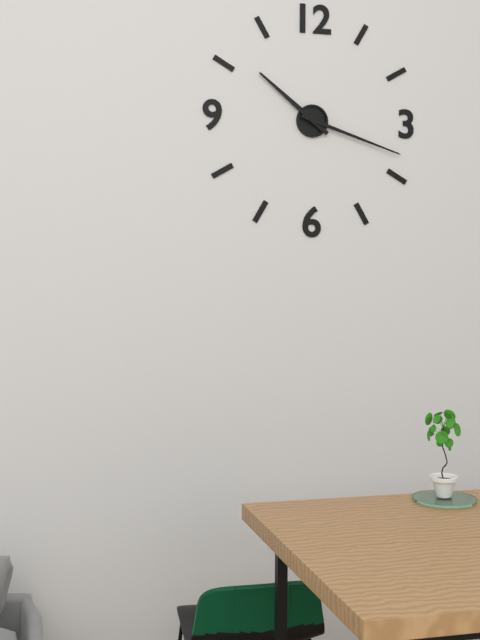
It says 10:18
